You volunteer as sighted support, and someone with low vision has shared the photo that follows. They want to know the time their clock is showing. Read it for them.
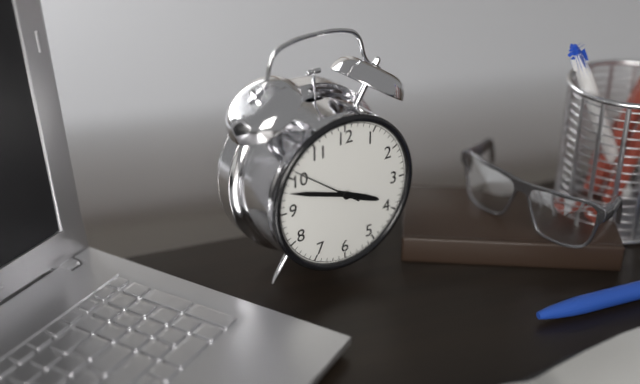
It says 3:48:51
